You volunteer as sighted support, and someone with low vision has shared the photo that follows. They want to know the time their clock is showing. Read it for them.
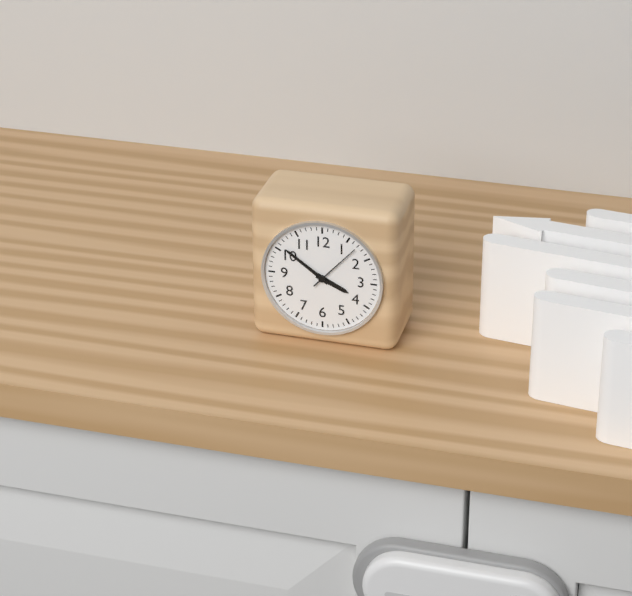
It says 3:51
